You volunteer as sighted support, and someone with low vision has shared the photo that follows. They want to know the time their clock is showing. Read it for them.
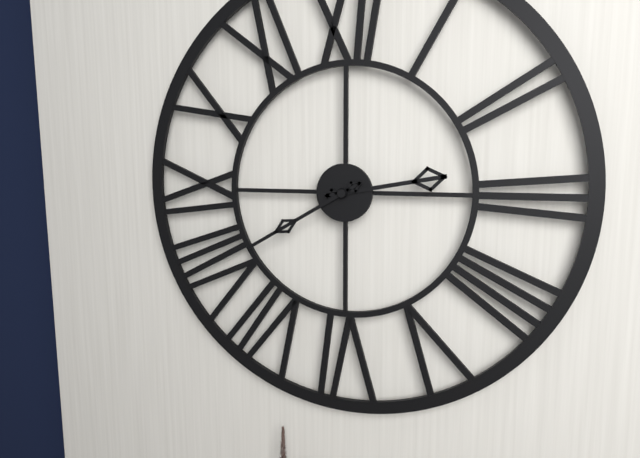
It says 2:40
